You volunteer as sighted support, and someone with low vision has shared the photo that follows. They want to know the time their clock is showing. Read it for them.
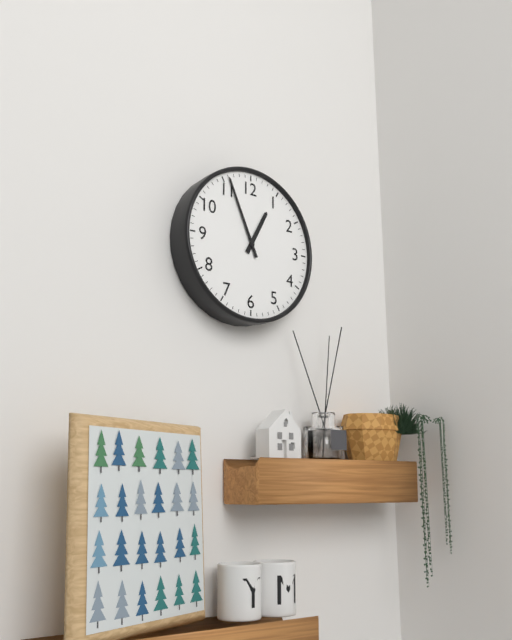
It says 12:56
